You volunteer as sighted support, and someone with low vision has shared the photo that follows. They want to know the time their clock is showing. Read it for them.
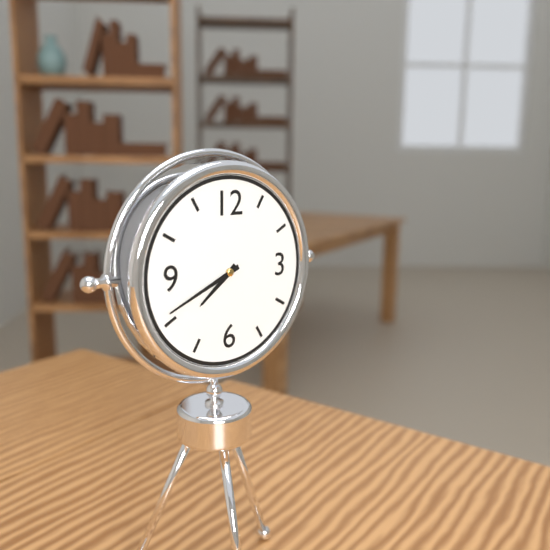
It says 7:41
